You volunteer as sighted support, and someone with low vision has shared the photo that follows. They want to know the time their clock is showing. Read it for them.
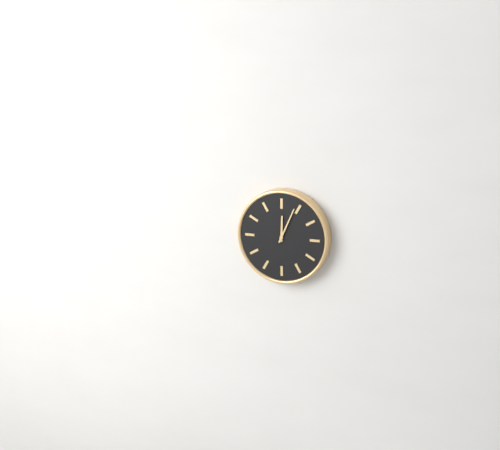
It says 12:04
